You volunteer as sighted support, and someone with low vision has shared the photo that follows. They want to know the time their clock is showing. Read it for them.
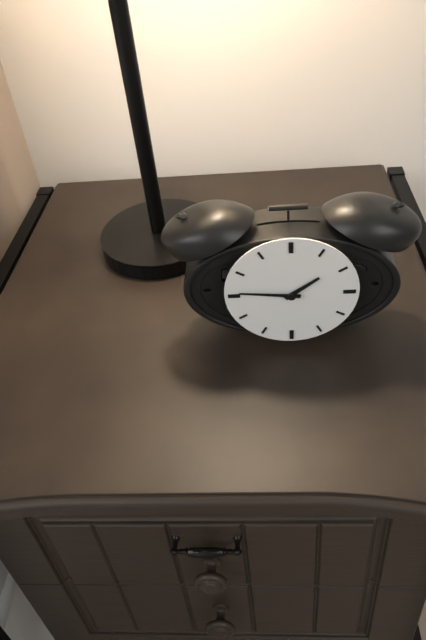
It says 1:46
